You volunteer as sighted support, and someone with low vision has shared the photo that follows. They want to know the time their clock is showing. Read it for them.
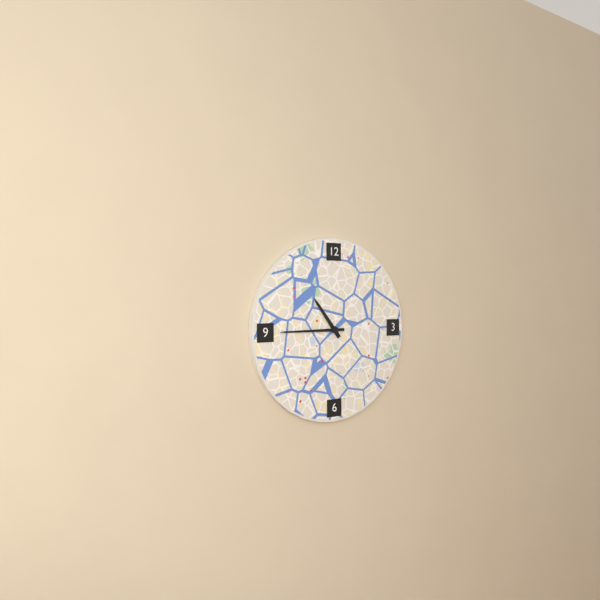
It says 10:45
